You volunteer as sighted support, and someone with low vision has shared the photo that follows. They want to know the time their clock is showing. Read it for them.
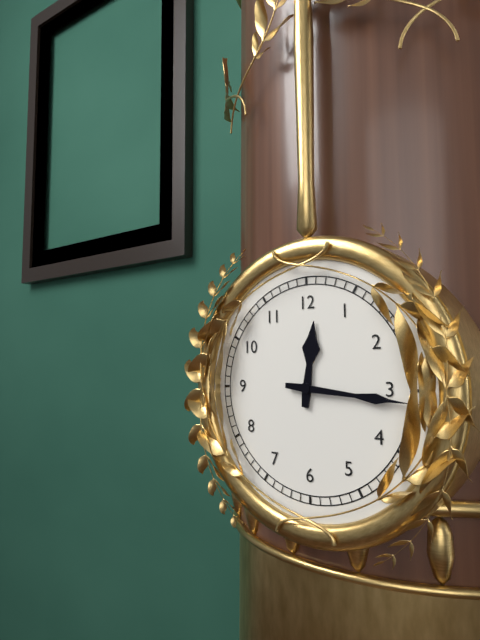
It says 12:16
